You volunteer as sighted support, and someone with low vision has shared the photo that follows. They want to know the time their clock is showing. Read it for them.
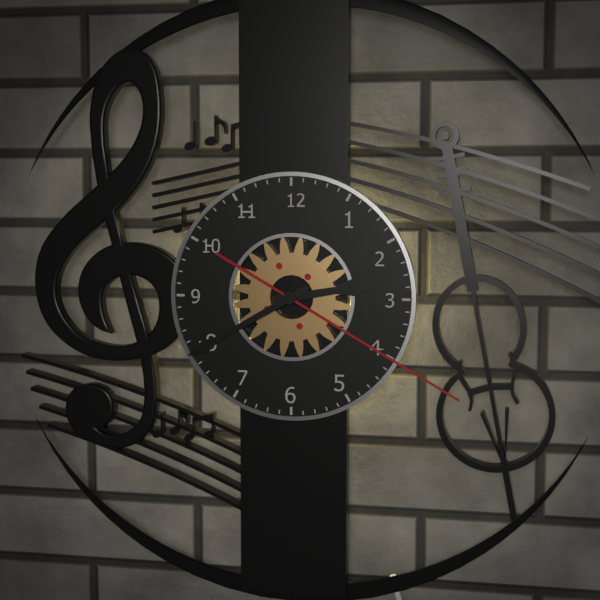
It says 2:40:20
